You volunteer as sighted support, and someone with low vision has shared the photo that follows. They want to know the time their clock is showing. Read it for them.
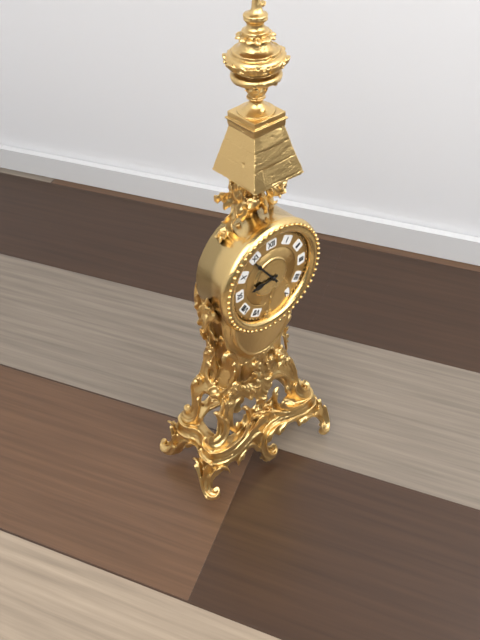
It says 8:54
